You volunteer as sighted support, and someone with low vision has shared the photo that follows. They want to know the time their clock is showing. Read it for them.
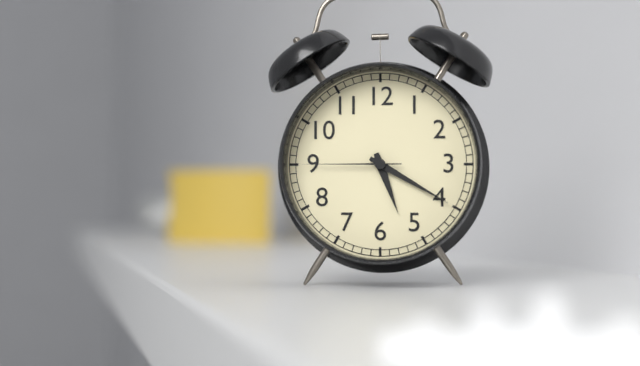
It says 5:20:45
